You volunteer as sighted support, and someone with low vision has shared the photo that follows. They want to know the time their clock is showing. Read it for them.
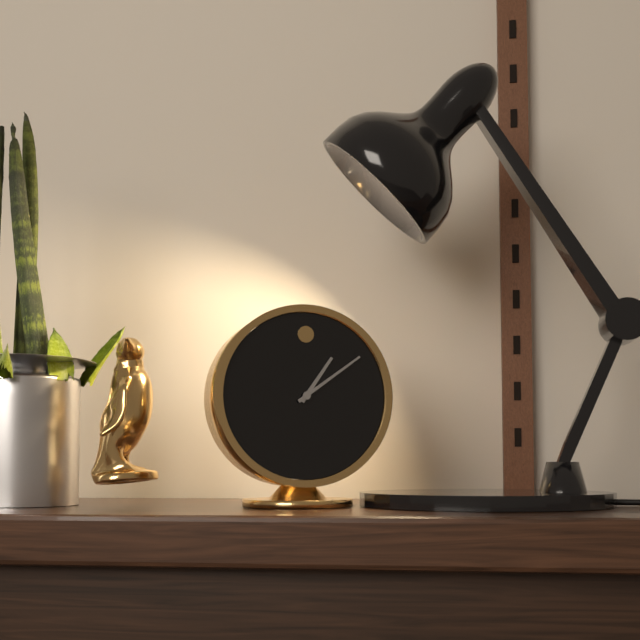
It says 1:09
